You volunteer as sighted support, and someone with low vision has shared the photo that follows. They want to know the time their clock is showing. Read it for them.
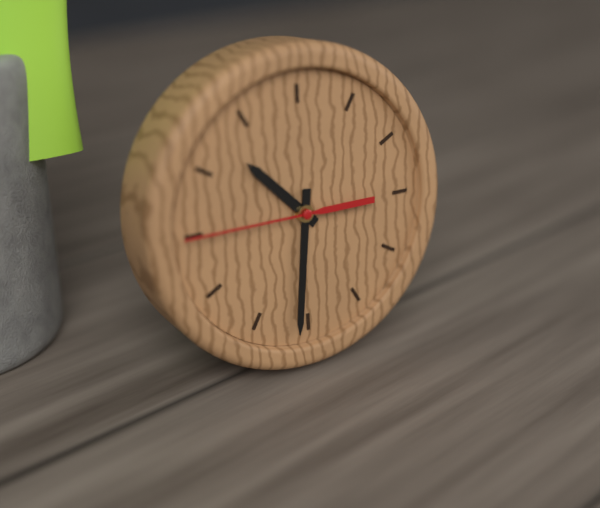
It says 10:31:45
